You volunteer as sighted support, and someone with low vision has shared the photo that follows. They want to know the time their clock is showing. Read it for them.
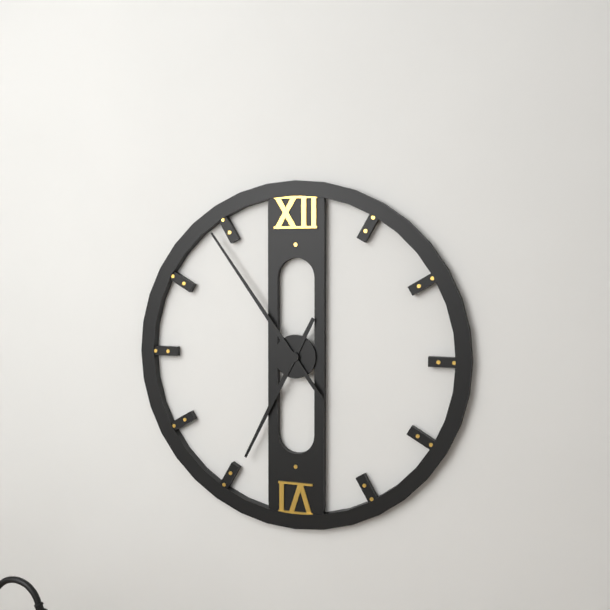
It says 6:54
